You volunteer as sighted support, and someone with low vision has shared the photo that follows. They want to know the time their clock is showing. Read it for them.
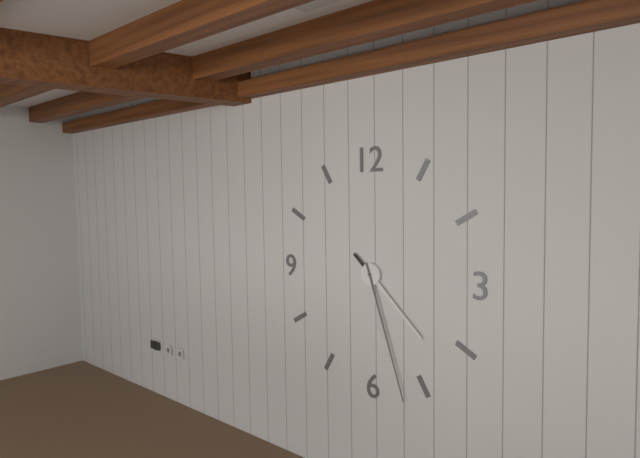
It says 4:27
